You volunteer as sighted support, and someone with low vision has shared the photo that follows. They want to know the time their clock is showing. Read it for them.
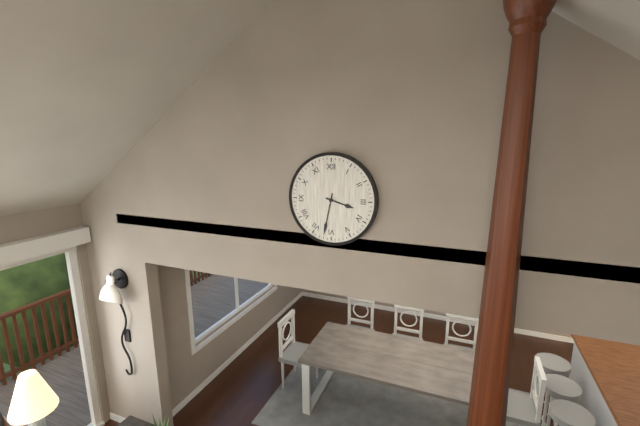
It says 3:32
